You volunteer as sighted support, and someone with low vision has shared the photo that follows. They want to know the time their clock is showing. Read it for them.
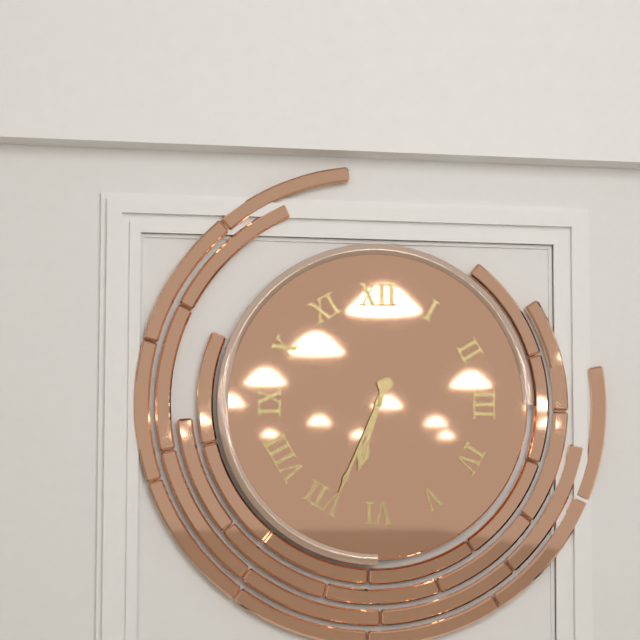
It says 6:34
